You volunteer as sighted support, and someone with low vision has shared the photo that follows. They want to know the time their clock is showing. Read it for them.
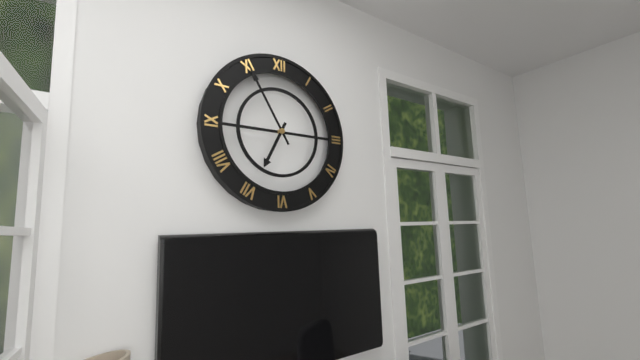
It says 6:55
